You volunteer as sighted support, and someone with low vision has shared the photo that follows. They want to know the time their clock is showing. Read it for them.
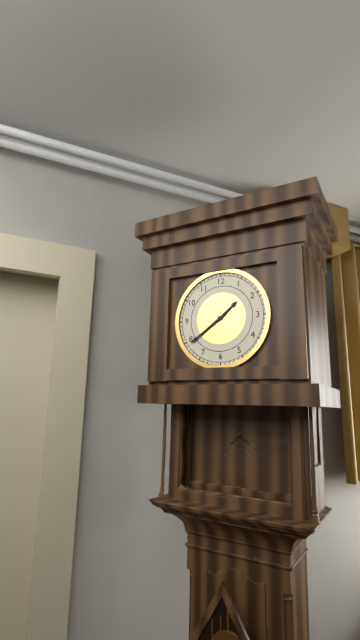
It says 1:39
